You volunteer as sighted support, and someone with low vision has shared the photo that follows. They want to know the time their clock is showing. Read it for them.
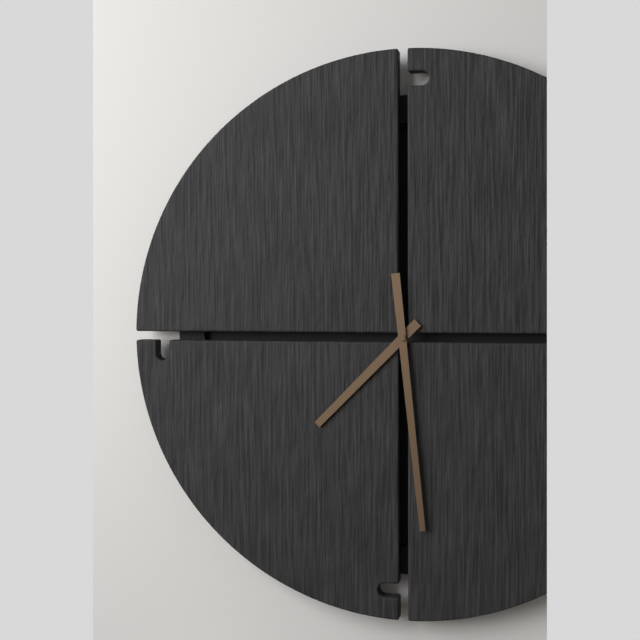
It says 7:29
